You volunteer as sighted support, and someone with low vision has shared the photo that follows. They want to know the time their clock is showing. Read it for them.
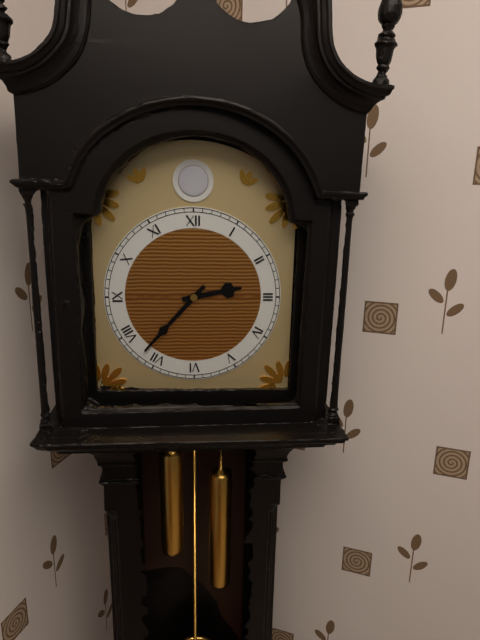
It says 2:37
